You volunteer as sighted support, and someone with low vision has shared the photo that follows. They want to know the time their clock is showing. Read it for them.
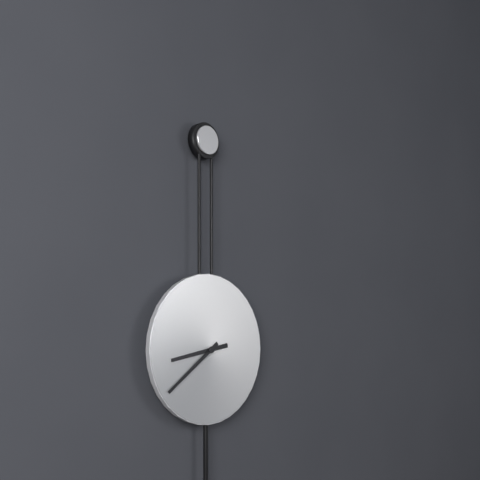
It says 8:39
